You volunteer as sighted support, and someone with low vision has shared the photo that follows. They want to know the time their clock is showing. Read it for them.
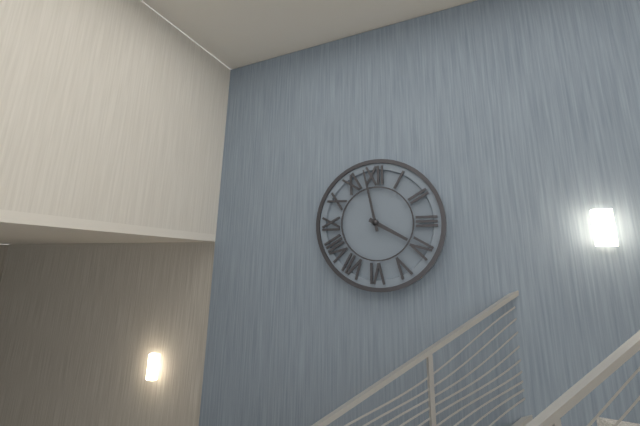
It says 3:58
